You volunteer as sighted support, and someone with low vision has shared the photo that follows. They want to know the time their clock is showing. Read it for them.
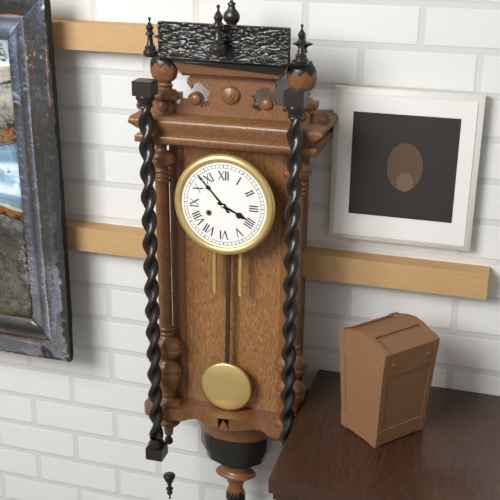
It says 3:53
